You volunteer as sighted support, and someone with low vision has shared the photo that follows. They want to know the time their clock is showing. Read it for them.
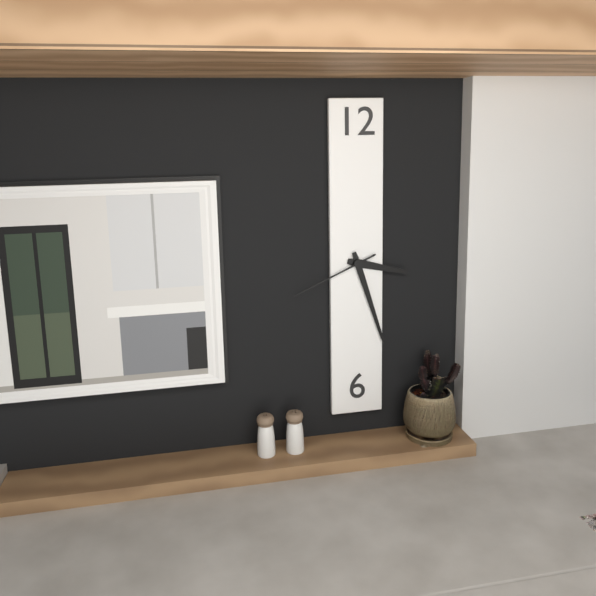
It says 3:27:41
